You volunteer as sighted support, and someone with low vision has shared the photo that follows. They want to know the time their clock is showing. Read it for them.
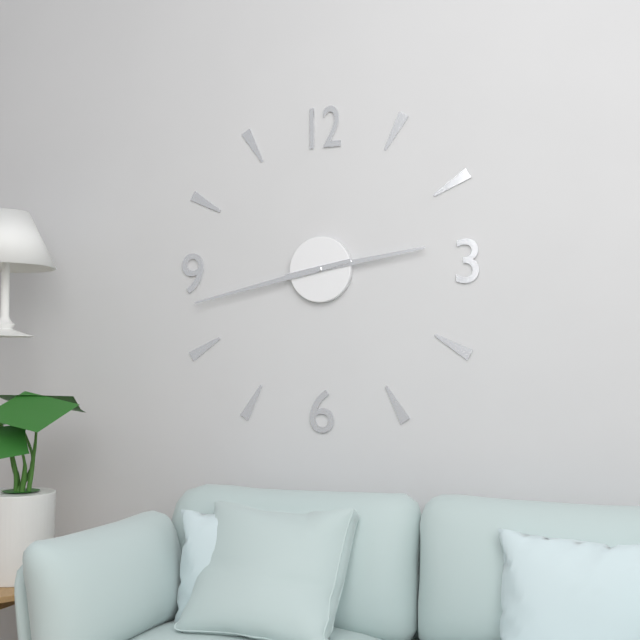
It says 2:43
